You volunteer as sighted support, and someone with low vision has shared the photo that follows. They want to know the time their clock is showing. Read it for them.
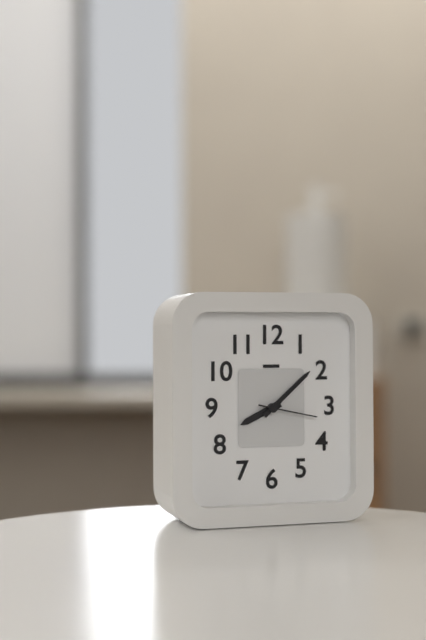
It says 8:08:17
